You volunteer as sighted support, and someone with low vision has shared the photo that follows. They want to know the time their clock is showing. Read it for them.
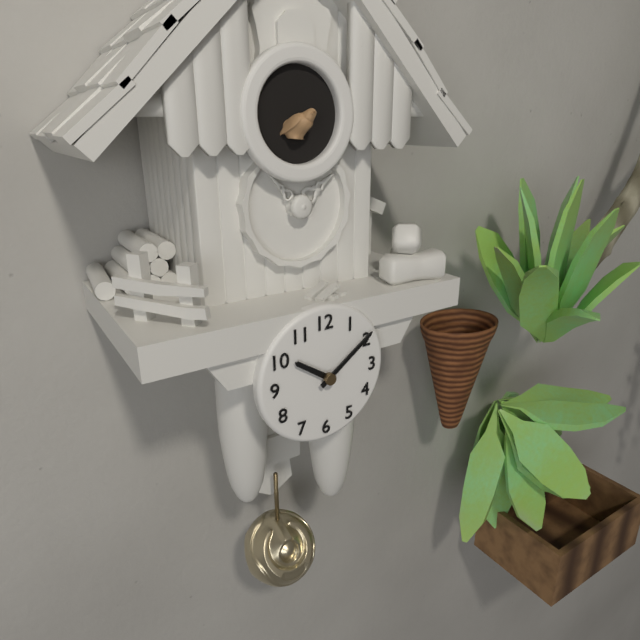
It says 10:09
